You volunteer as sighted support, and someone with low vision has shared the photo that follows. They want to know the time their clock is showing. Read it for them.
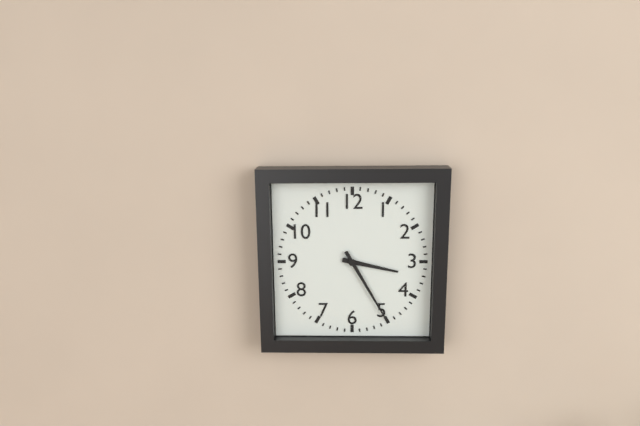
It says 3:25
